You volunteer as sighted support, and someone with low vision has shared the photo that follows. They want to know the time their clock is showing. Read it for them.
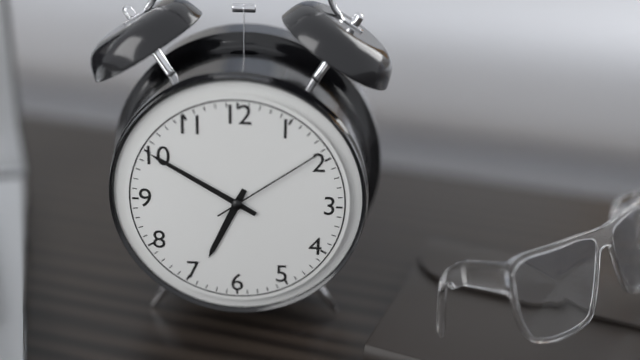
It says 6:50:09
